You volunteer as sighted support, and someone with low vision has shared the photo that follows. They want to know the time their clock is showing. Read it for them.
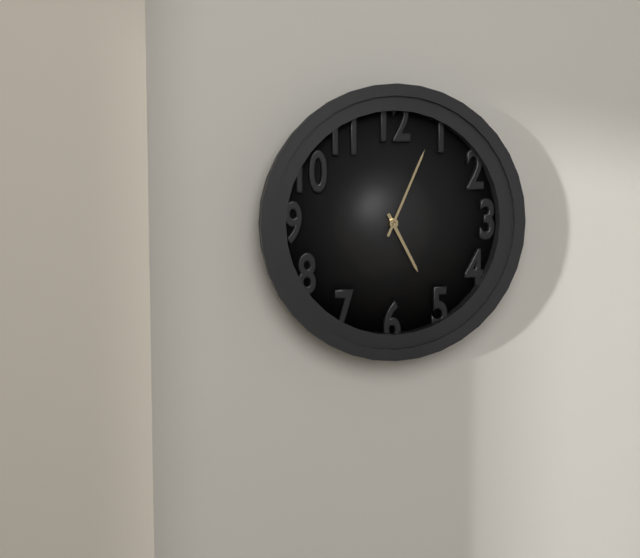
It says 5:04
